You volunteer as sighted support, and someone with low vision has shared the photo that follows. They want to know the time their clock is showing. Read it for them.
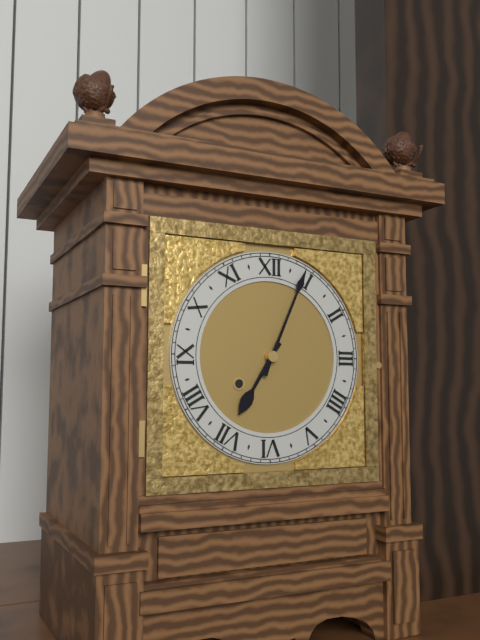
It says 7:04
